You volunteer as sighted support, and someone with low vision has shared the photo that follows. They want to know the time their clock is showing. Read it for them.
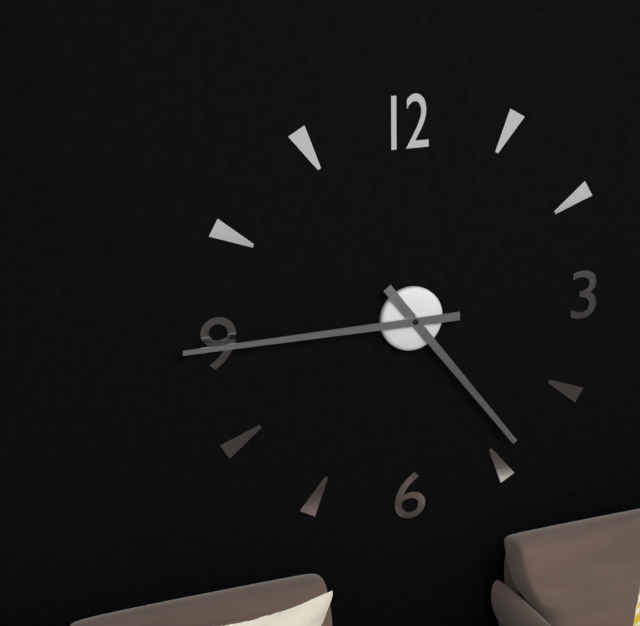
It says 4:45
